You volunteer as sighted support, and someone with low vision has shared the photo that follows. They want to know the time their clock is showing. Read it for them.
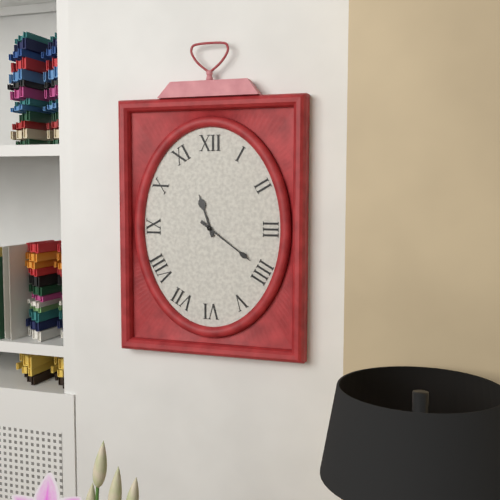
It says 11:21
